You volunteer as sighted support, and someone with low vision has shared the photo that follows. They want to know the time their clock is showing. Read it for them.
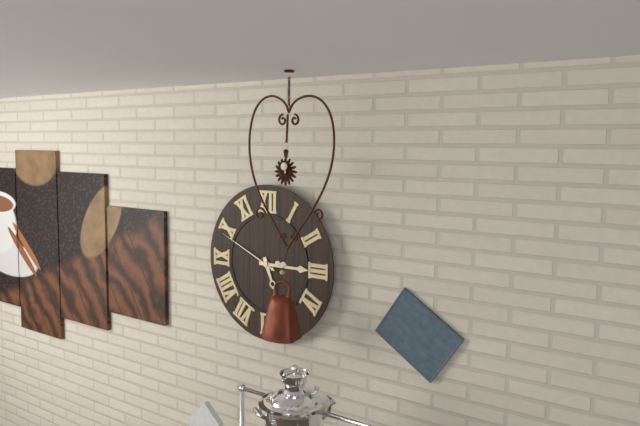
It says 5:15:49
